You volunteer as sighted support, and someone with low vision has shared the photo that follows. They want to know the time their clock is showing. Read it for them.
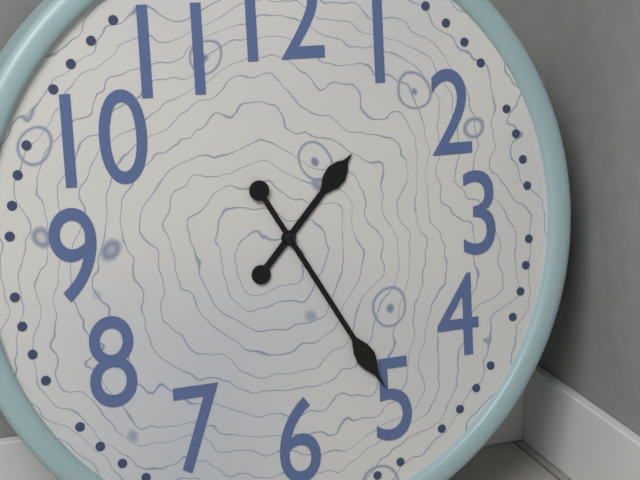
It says 1:25
